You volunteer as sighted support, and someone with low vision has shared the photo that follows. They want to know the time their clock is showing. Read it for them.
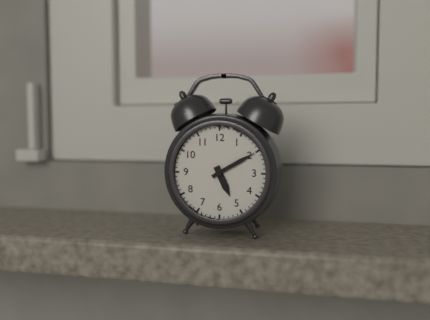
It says 5:10
